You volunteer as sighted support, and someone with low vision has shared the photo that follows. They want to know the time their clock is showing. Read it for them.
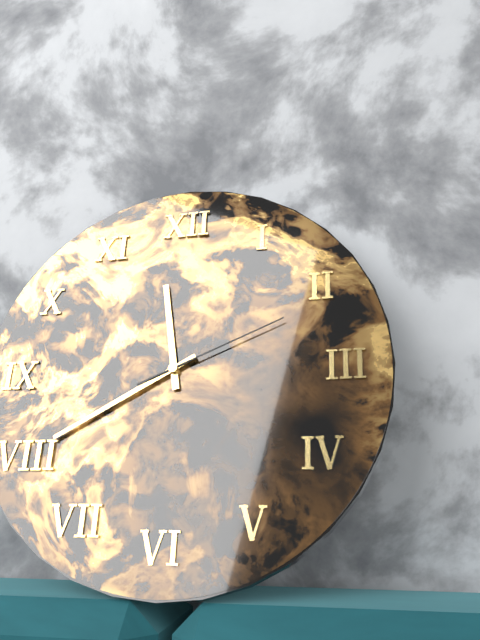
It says 11:40:11
